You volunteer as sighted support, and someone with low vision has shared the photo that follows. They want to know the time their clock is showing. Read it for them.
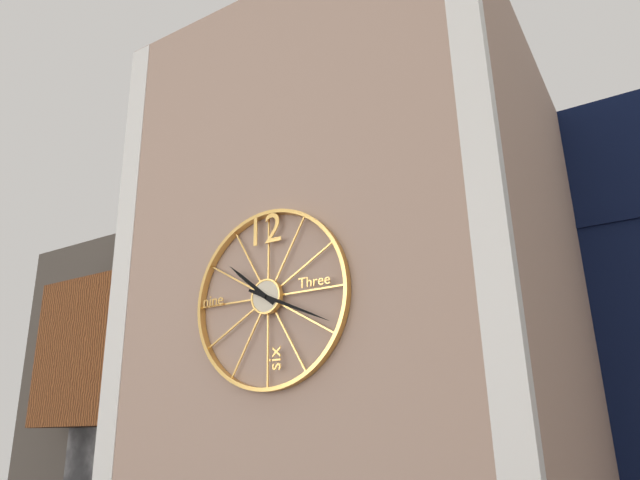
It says 10:19
